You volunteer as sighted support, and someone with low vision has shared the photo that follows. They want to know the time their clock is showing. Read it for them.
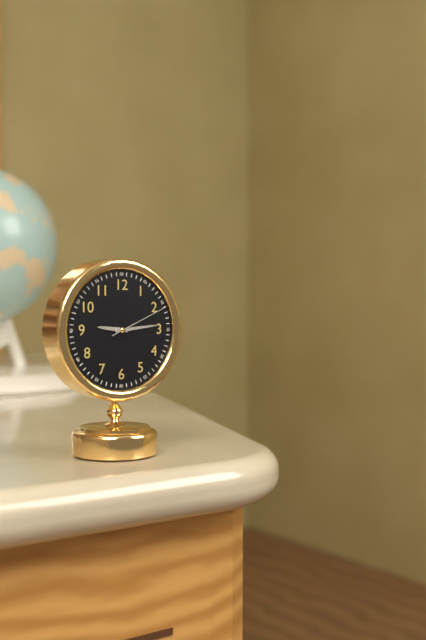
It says 9:14:11
